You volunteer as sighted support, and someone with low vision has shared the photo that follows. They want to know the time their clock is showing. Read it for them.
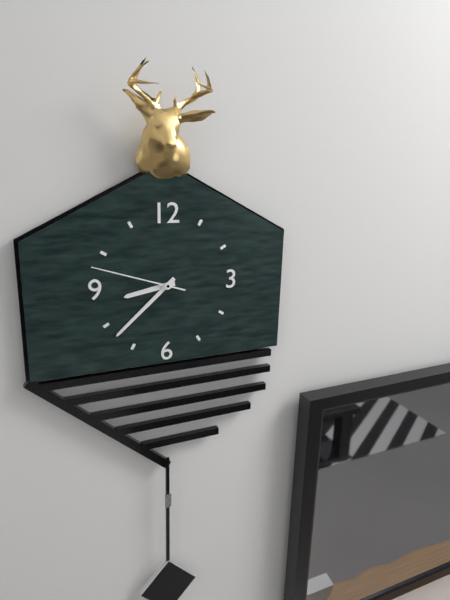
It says 8:38:48
